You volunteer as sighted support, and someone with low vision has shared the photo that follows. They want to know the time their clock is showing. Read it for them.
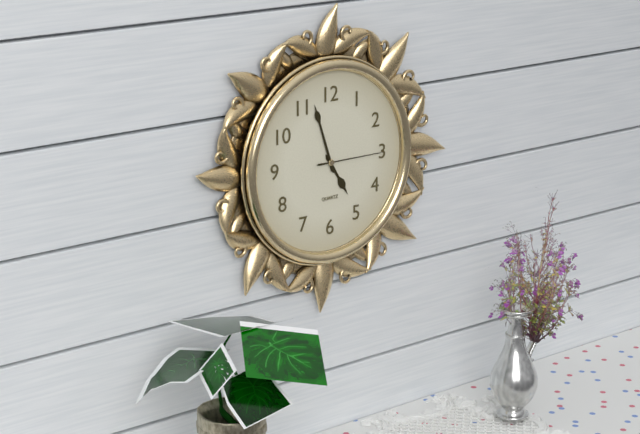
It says 4:57:15
